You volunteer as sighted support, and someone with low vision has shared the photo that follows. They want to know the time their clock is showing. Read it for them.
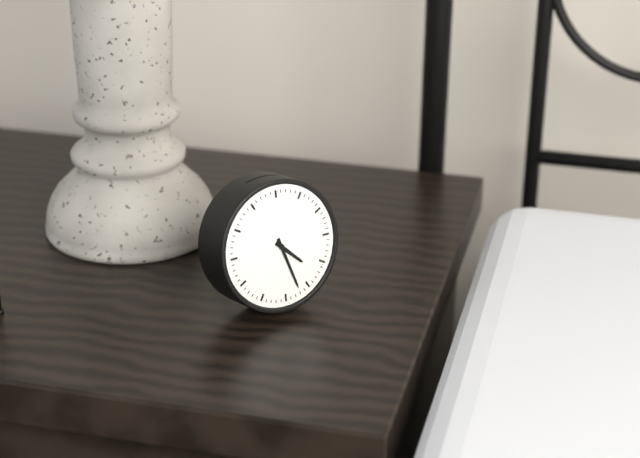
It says 4:27
